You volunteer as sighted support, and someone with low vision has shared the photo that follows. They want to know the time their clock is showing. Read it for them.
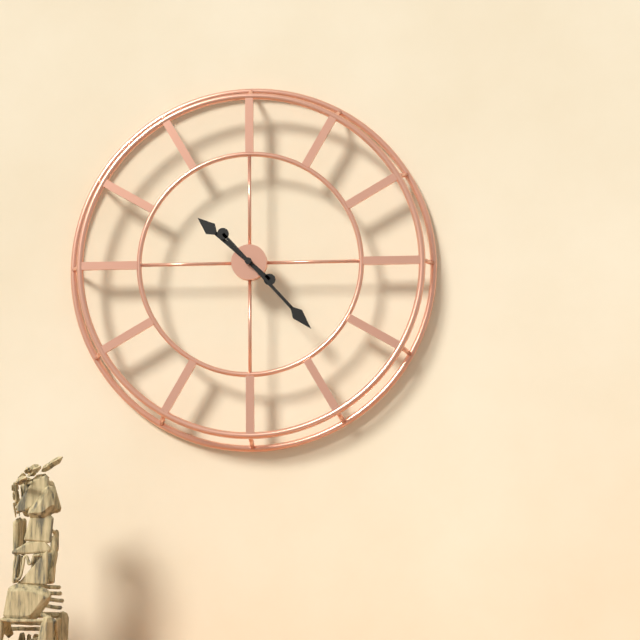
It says 10:23
